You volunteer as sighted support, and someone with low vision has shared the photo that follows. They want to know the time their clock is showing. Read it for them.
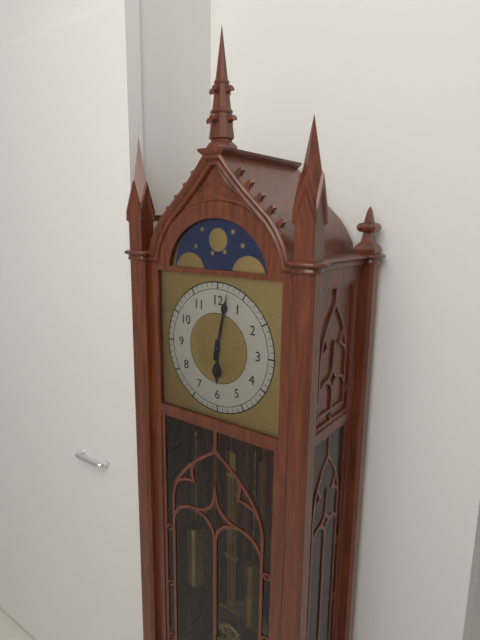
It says 6:02
